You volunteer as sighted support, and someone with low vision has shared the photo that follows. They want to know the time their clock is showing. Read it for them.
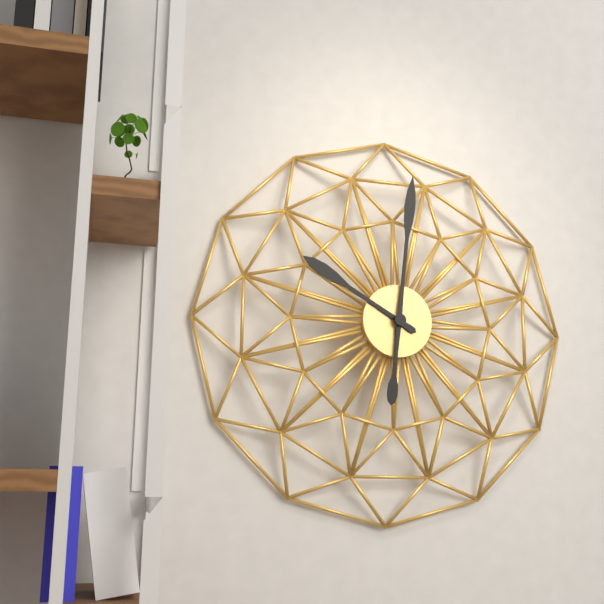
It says 10:01
